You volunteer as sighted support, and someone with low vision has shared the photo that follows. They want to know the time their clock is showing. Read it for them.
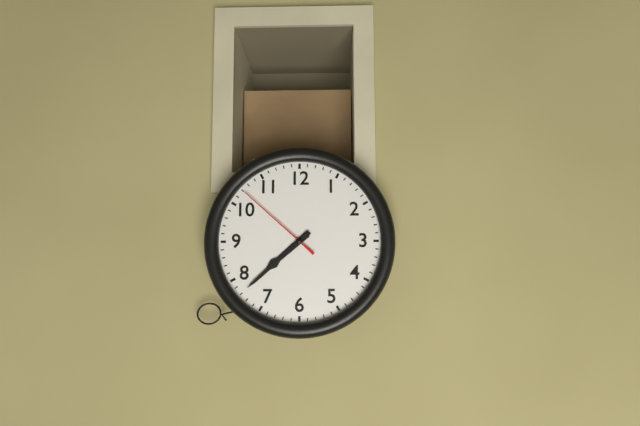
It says 7:38:52
